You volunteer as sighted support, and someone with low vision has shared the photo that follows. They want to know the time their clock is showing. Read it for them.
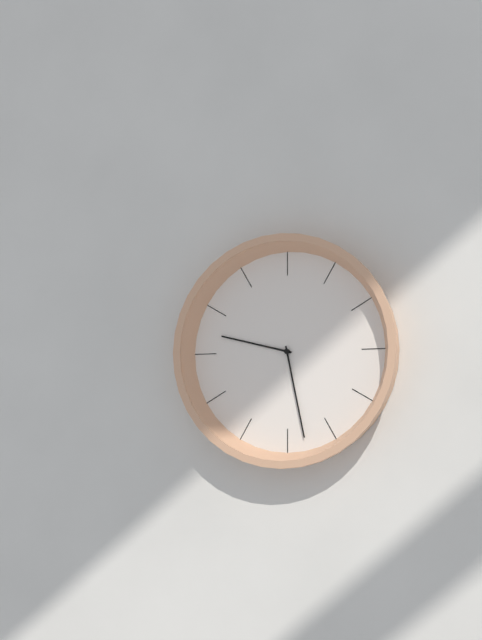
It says 9:28
